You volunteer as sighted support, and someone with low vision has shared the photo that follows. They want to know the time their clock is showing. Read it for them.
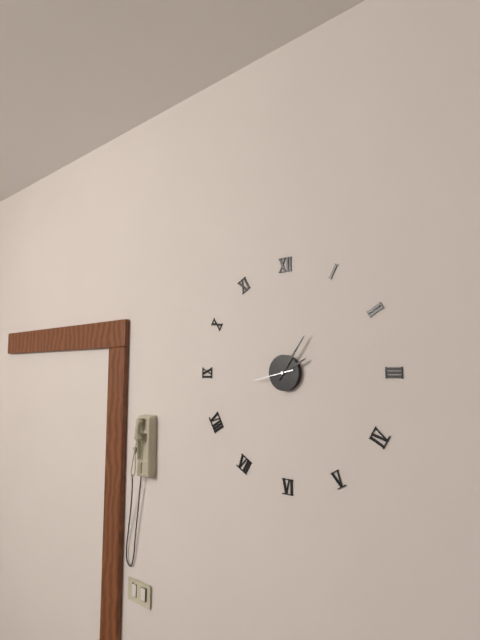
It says 2:06
